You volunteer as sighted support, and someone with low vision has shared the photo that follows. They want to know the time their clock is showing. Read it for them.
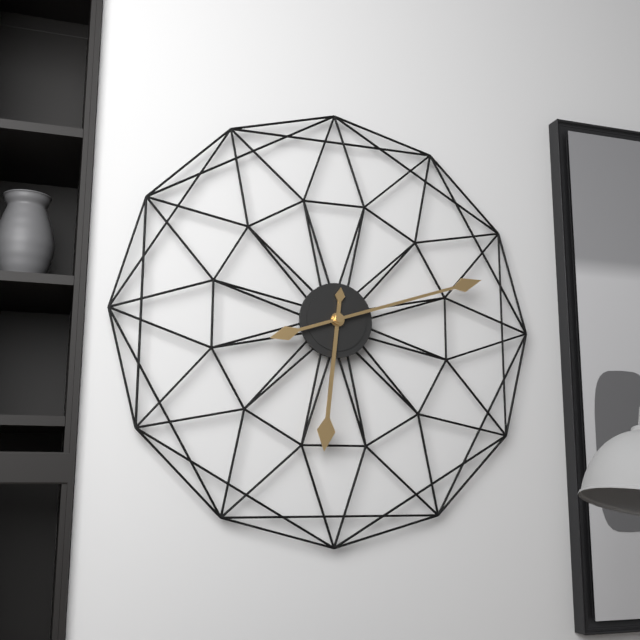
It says 6:12
